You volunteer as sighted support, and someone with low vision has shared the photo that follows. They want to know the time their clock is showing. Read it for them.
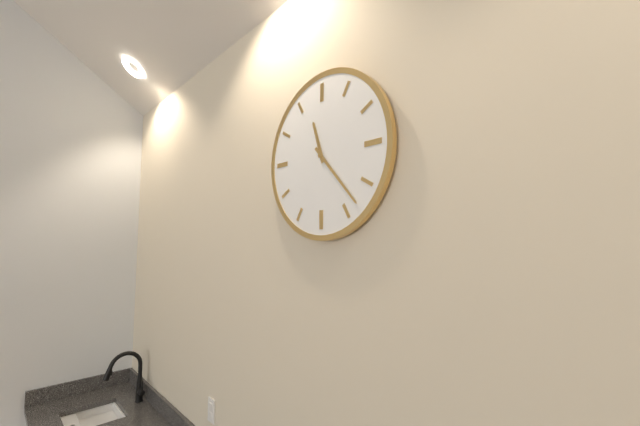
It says 11:23
